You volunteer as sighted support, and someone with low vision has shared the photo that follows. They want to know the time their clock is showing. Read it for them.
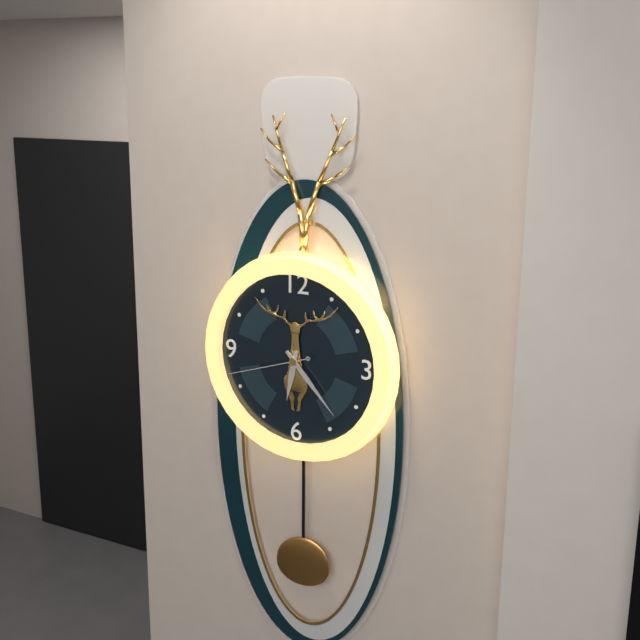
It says 6:23:42
